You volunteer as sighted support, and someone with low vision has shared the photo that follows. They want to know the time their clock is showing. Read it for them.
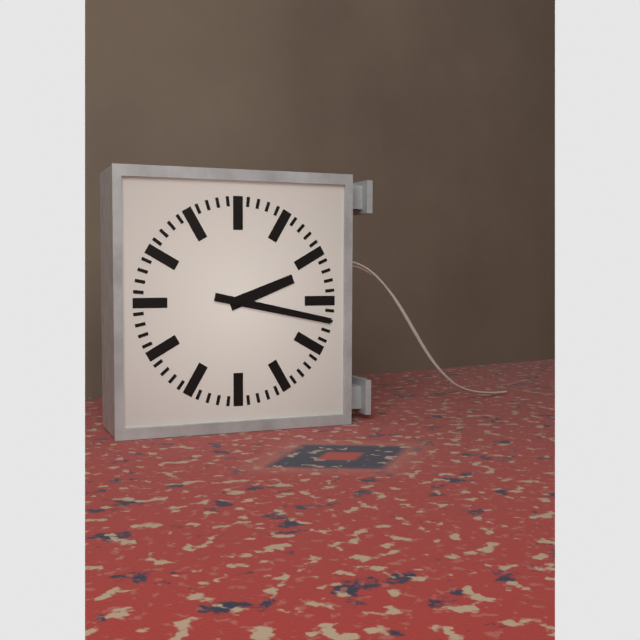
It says 2:17
